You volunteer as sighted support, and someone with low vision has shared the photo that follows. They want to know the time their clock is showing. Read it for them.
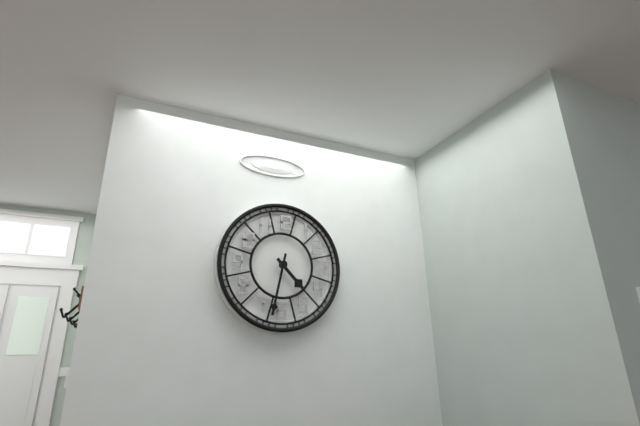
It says 4:32
